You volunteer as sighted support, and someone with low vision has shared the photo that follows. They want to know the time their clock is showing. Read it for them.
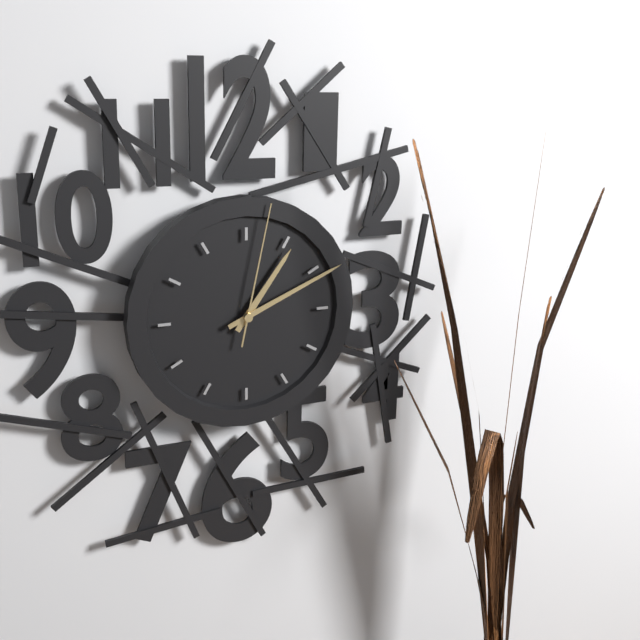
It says 1:11:02
